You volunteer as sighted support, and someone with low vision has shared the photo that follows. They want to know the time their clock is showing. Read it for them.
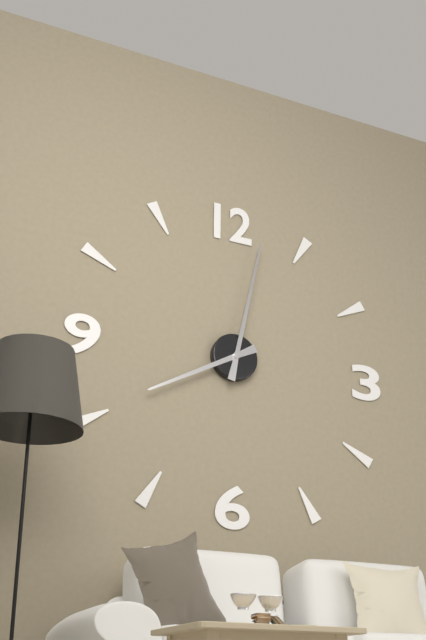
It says 8:02
